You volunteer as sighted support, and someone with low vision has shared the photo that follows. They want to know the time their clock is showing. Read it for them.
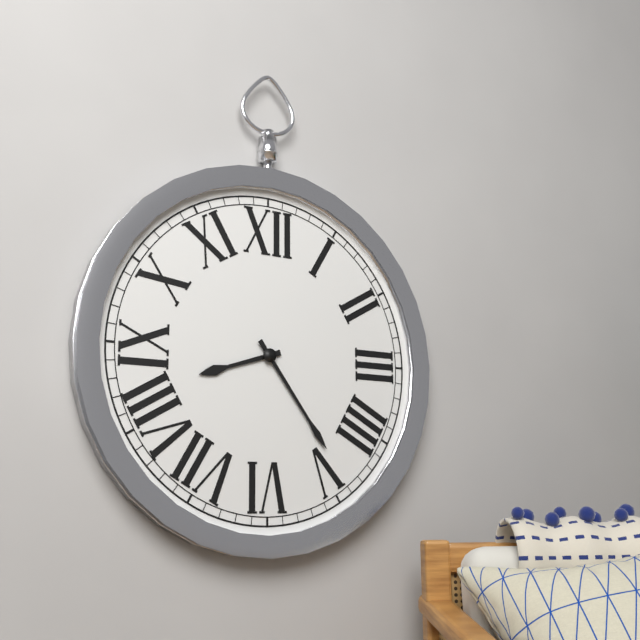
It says 8:24
